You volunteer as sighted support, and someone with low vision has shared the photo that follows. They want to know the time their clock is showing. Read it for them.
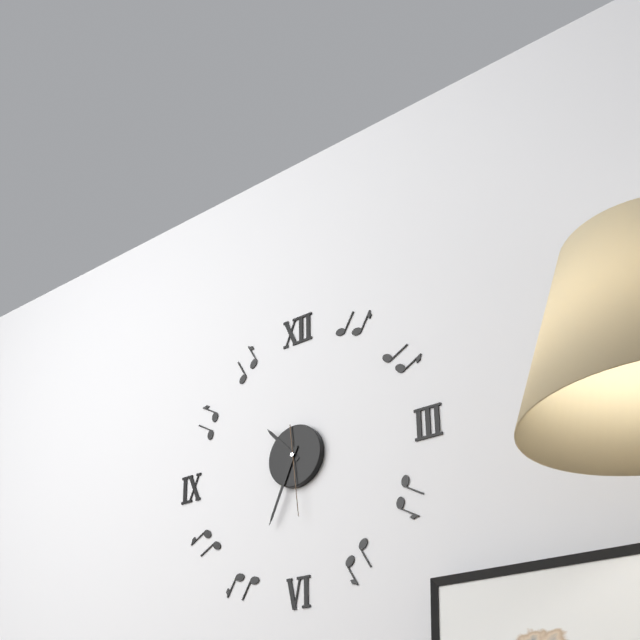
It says 10:34:29
